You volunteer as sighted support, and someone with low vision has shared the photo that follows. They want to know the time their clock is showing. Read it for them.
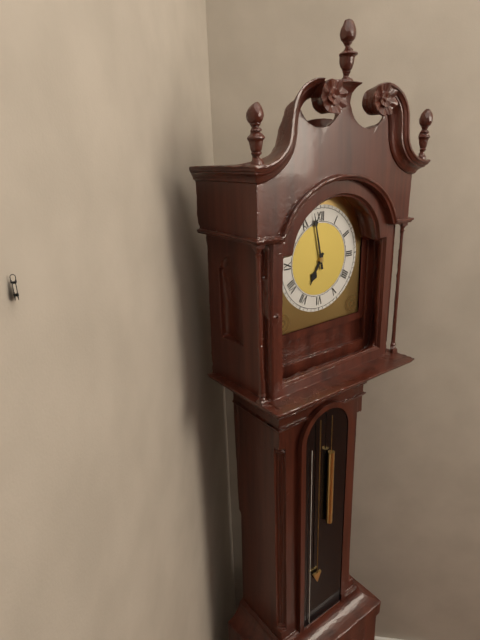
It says 6:58
